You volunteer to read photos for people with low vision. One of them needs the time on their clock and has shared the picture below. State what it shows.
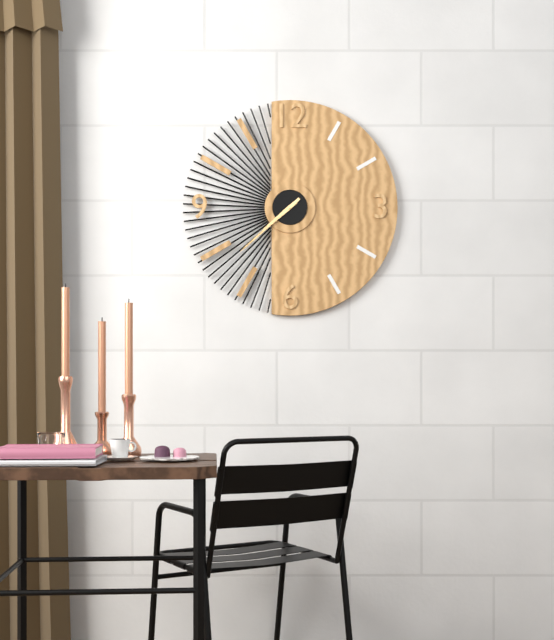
7:38
